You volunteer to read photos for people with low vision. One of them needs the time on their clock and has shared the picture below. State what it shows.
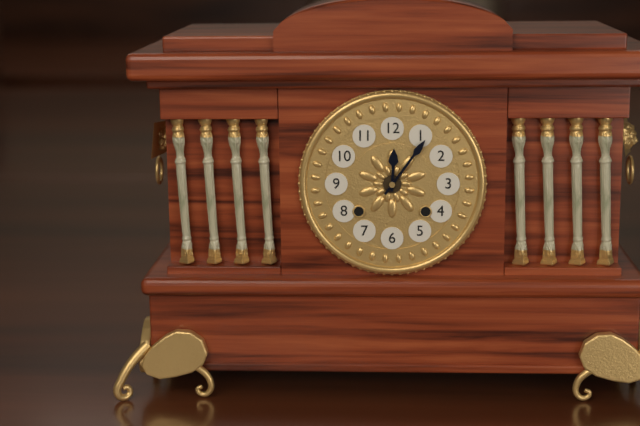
12:06
